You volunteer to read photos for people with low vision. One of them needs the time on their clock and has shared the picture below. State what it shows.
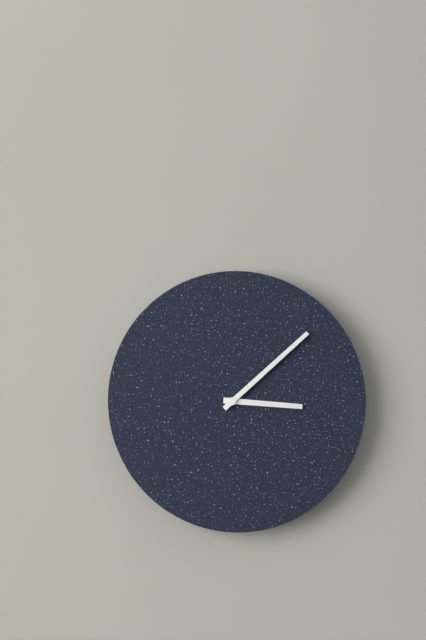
3:08
